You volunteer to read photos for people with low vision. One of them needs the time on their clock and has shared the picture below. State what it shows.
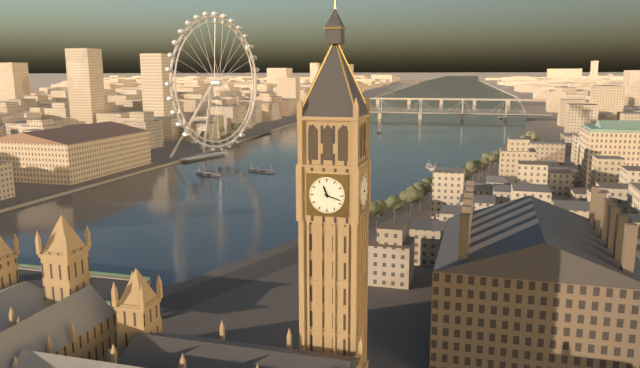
11:18
